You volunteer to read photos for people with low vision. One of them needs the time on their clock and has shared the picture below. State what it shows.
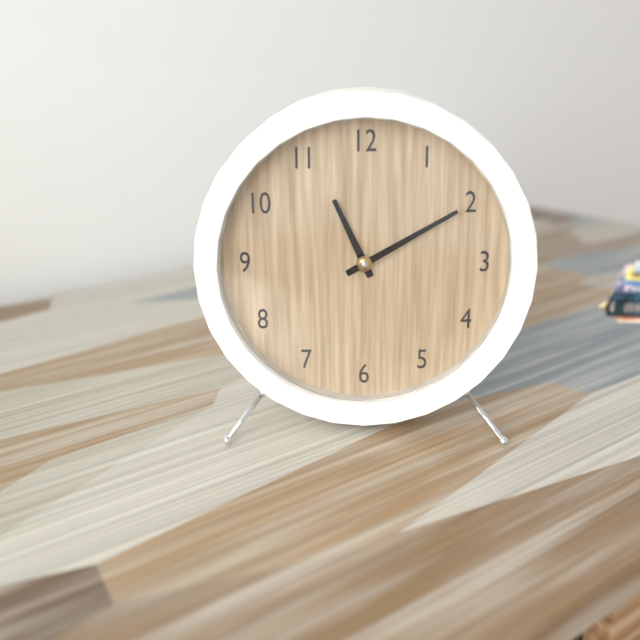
11:10
